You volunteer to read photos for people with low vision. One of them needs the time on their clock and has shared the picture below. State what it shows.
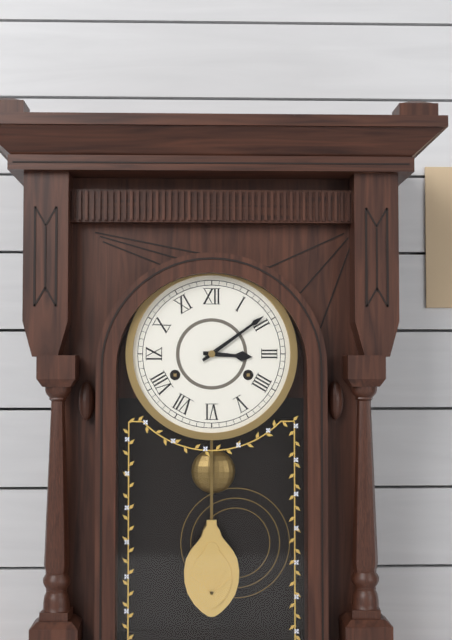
3:09
